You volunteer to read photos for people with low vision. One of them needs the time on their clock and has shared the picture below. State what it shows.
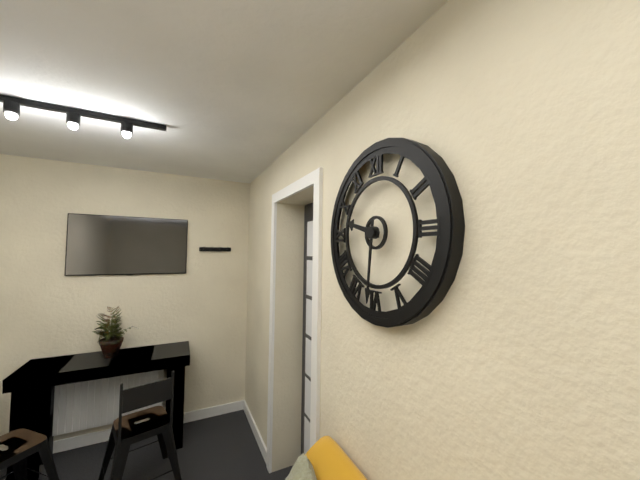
9:31
